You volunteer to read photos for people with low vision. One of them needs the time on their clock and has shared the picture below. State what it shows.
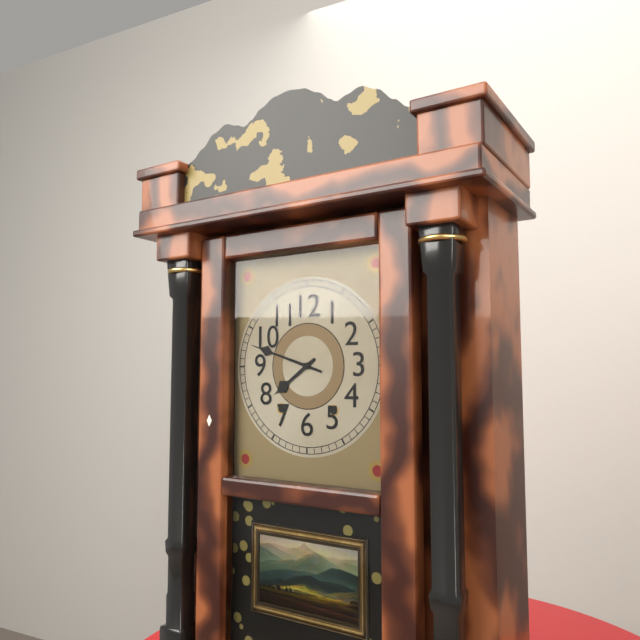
7:48
